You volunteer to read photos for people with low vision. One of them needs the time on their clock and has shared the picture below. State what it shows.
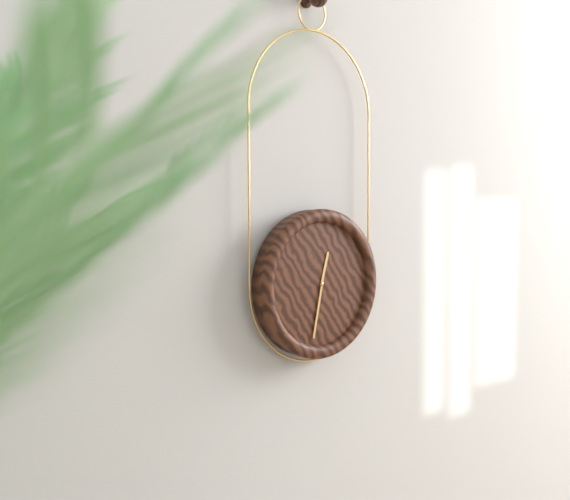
12:32
